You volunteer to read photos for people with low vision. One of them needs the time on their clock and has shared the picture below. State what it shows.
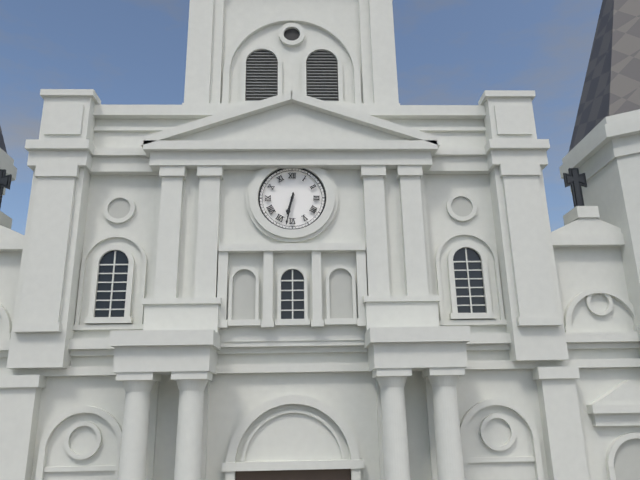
6:32
